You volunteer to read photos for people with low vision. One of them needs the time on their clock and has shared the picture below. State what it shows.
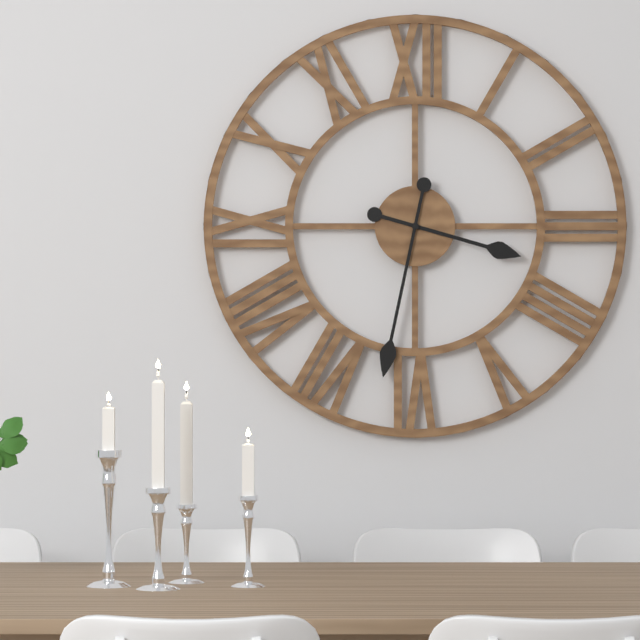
3:32
